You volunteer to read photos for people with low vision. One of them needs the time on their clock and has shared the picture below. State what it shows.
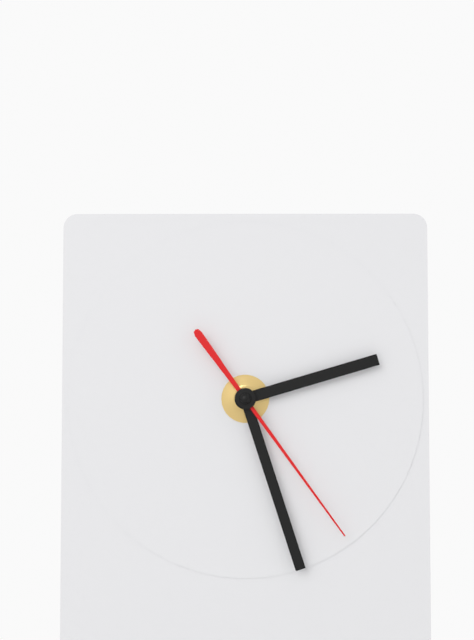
2:27:24
